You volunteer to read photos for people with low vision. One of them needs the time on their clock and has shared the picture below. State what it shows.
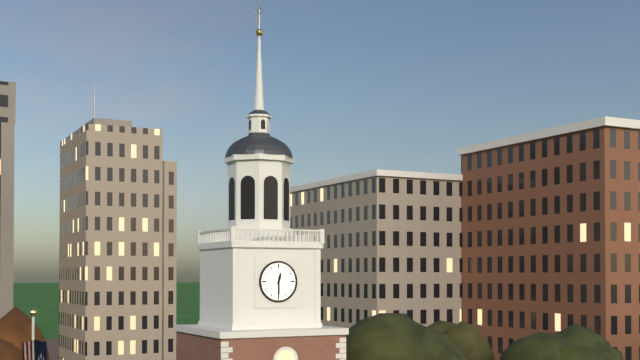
12:30
